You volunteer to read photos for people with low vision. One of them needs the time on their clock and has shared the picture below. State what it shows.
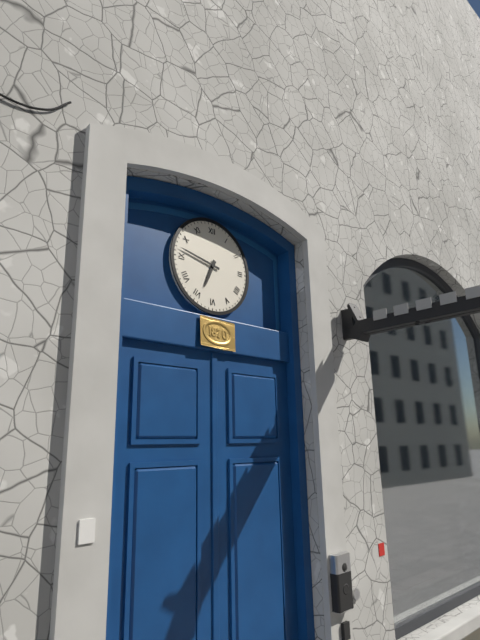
6:47
